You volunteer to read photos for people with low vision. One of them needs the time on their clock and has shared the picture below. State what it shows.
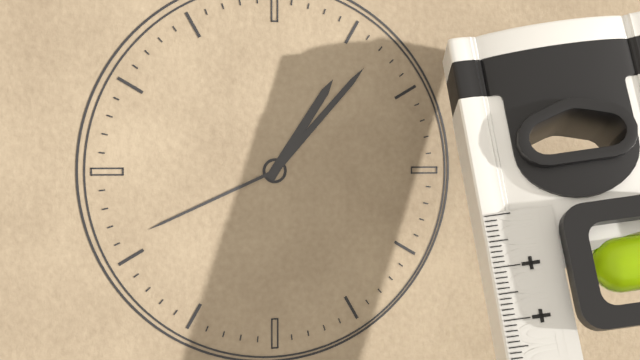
1:07:41
